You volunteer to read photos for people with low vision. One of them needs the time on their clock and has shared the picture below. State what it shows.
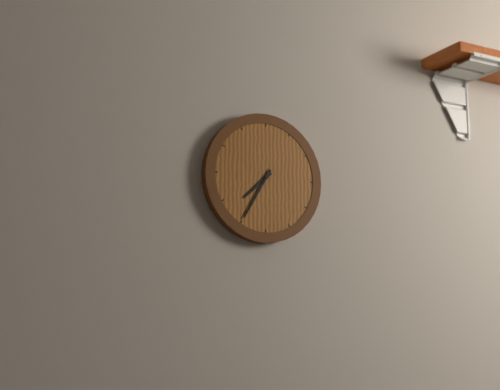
7:35
